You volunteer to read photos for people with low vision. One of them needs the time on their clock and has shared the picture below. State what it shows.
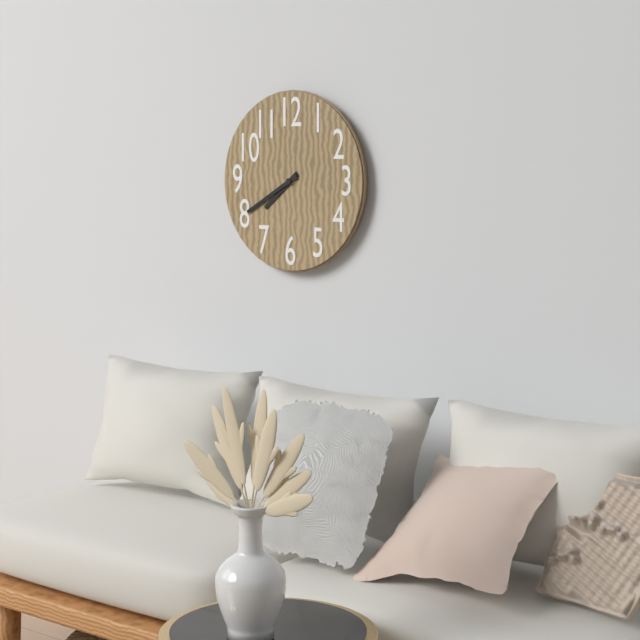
7:40
